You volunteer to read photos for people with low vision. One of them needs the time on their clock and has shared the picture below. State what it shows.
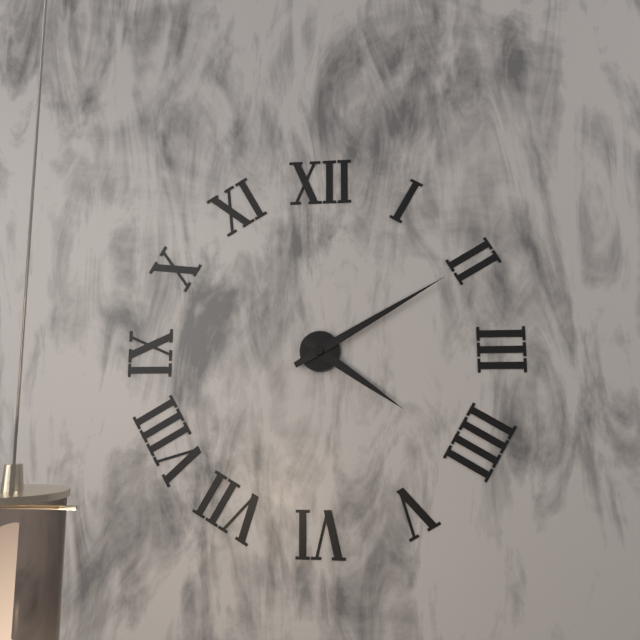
4:10
